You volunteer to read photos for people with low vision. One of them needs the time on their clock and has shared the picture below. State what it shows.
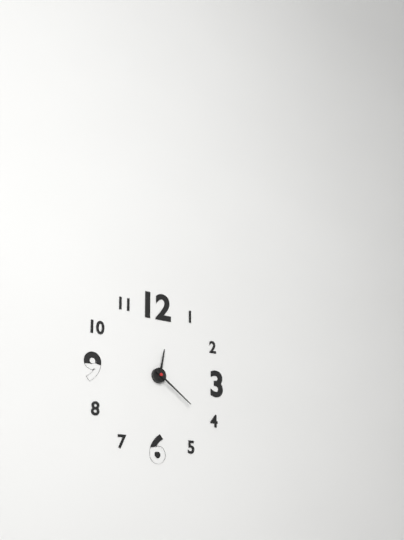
12:21
